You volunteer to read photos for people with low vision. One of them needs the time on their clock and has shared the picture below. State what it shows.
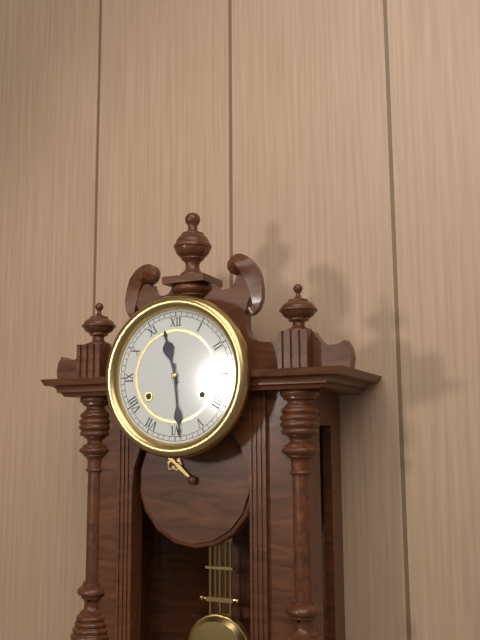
11:29
